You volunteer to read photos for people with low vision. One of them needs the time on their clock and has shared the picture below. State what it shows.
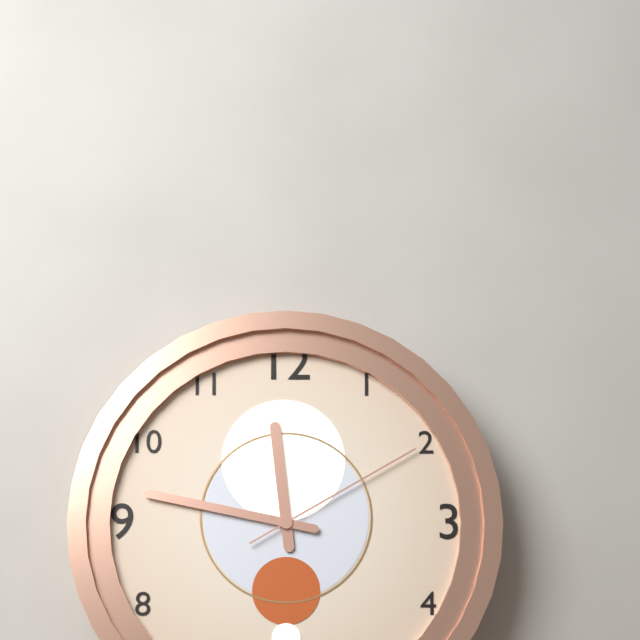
11:47:10
